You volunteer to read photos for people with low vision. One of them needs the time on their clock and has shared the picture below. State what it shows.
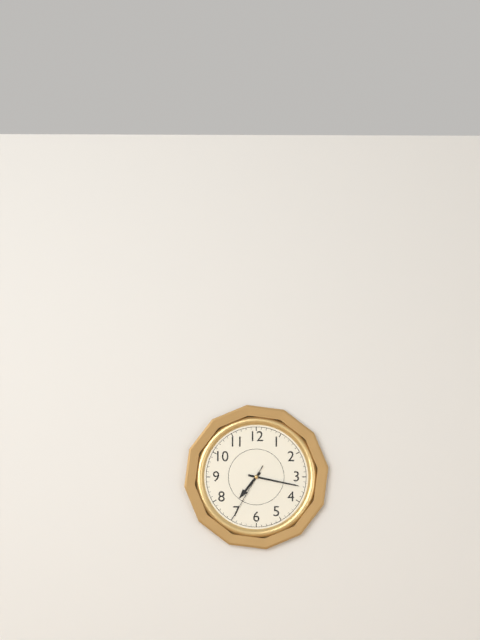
7:17:35
